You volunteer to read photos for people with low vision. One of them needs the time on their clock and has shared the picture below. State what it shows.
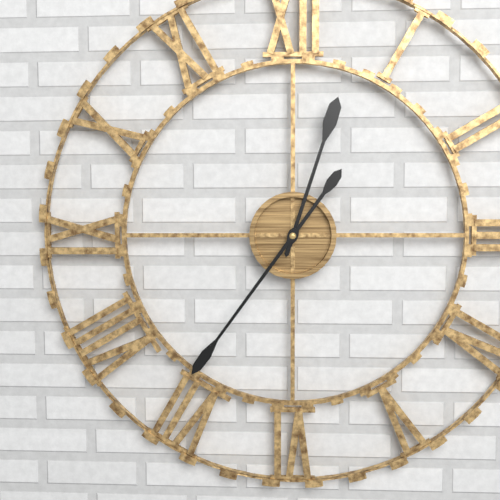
12:36
